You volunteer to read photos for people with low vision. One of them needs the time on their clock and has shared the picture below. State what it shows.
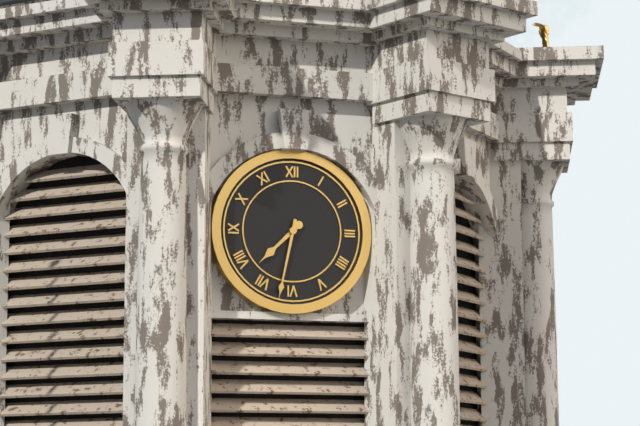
7:32
